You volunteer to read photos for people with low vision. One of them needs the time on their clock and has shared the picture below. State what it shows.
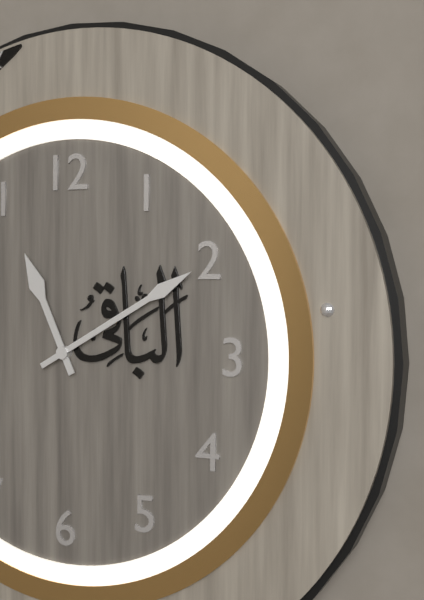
11:10
